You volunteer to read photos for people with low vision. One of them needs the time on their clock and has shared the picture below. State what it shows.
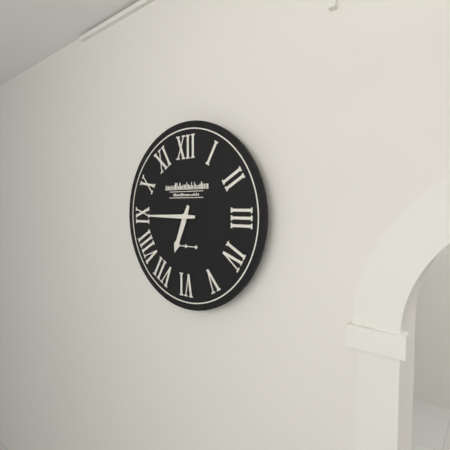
6:45
